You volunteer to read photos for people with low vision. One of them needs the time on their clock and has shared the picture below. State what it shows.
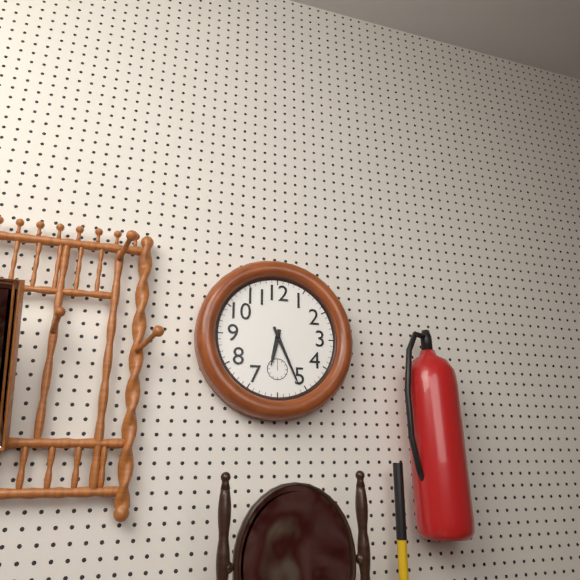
6:26
